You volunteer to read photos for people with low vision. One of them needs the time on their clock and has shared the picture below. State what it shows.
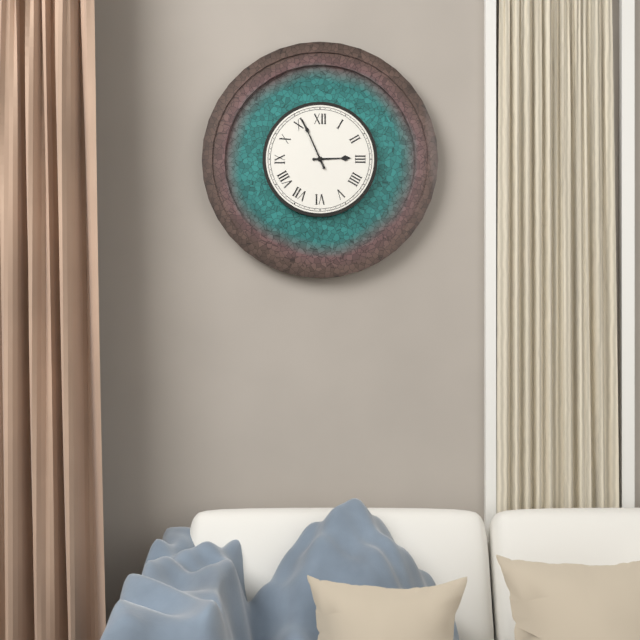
2:56
